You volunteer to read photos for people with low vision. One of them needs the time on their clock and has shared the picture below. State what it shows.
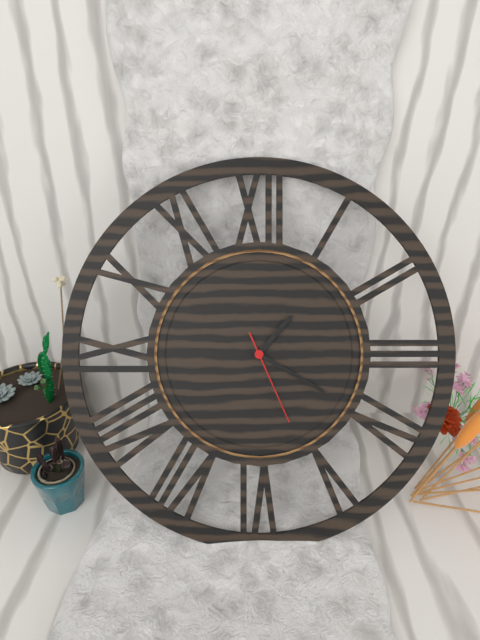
1:20:26
